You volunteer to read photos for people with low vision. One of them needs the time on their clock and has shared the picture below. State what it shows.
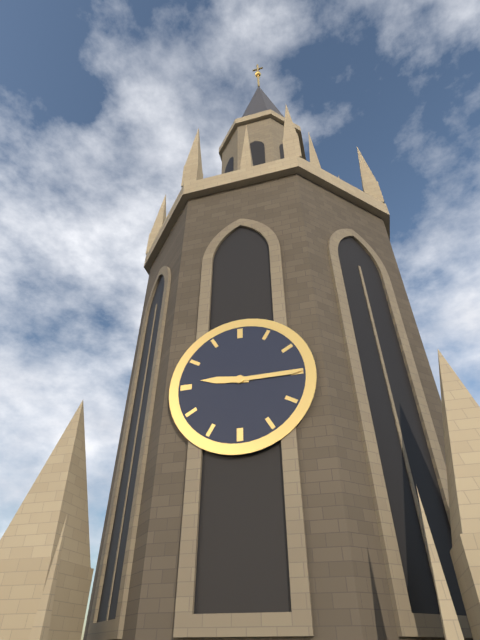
9:15
